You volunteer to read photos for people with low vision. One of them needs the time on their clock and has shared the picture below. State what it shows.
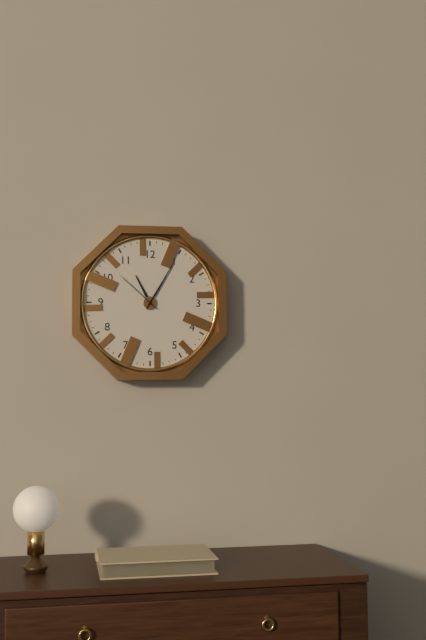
11:05:52
